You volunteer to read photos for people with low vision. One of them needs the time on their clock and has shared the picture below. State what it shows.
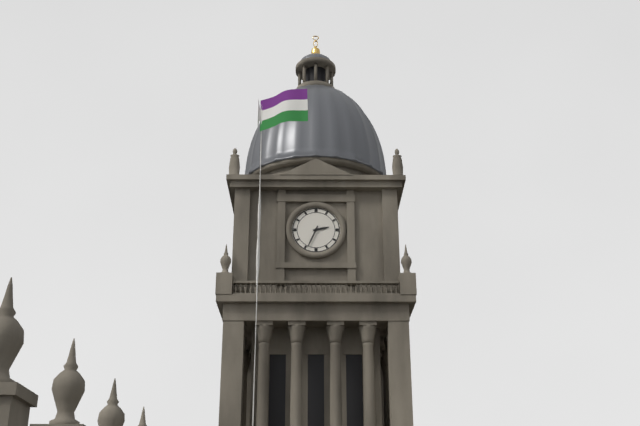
2:34
